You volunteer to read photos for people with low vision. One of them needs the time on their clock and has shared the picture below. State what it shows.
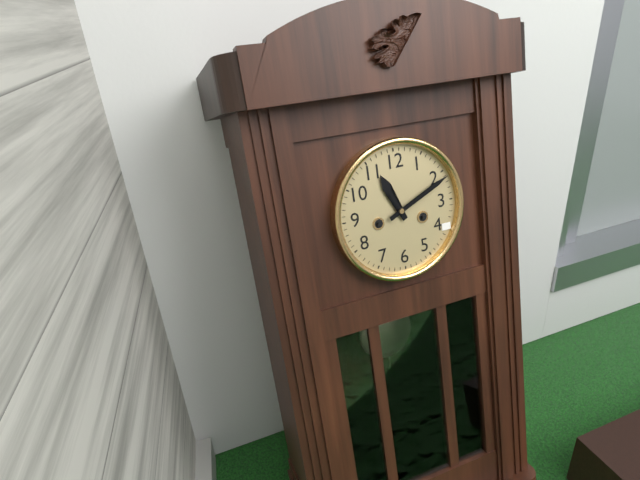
11:11
